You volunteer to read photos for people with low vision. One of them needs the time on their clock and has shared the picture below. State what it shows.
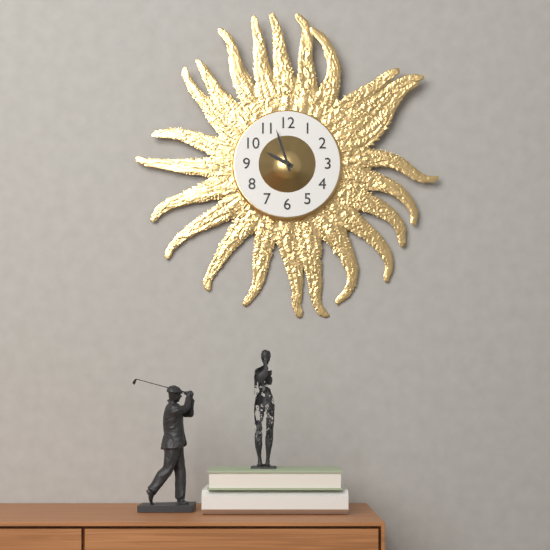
9:57
